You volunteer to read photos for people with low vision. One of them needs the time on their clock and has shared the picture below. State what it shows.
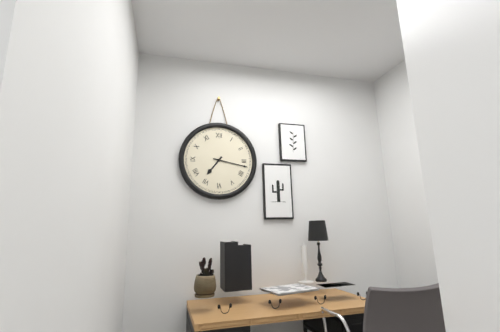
7:17
